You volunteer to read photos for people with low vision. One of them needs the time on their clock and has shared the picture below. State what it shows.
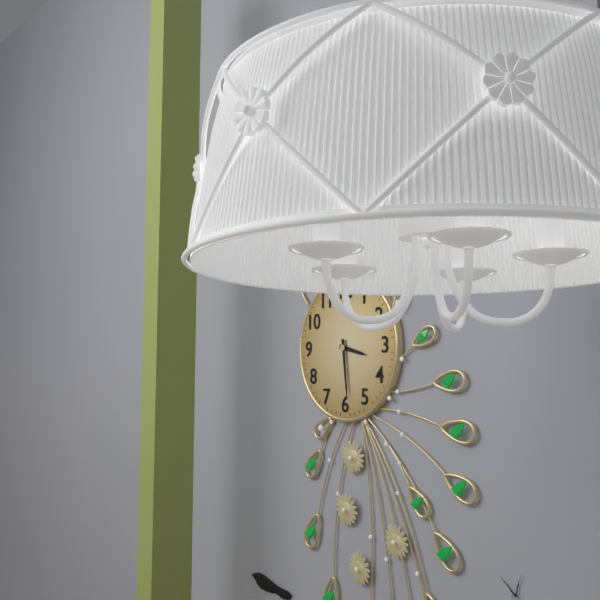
3:29
